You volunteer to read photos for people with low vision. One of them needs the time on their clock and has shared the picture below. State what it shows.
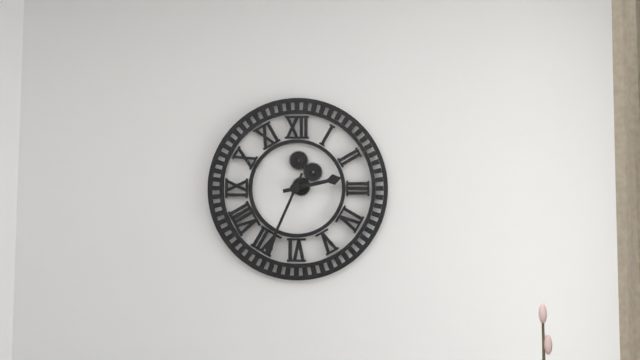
2:34
